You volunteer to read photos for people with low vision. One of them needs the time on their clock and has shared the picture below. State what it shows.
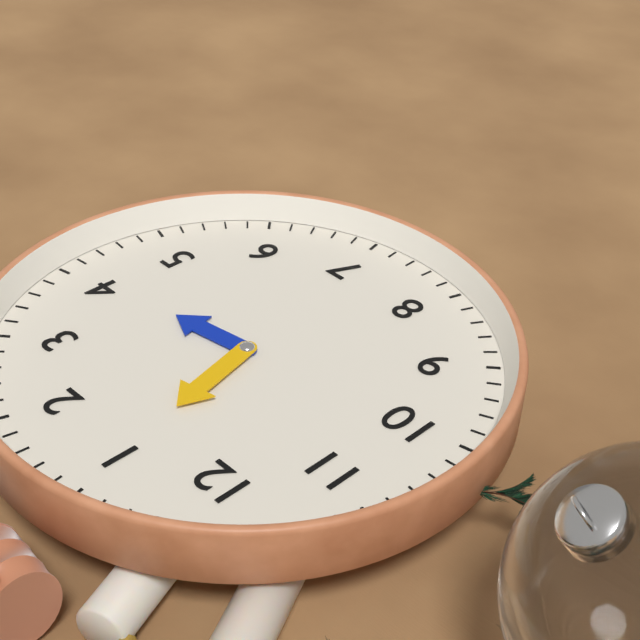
4:05
